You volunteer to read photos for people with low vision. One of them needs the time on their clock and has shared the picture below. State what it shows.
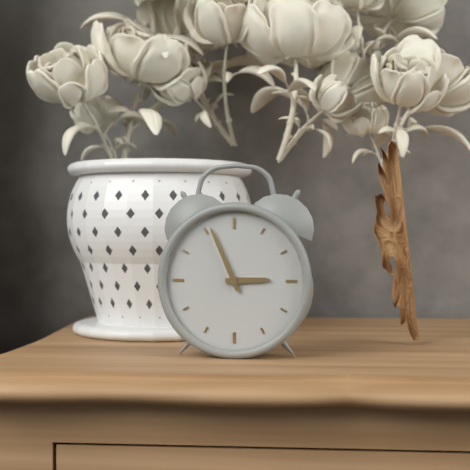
2:56
